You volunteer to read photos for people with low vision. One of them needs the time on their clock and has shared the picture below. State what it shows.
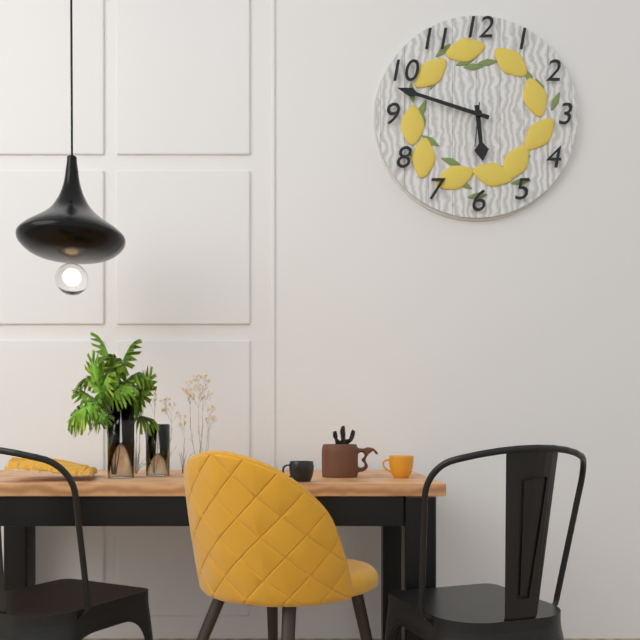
5:48
